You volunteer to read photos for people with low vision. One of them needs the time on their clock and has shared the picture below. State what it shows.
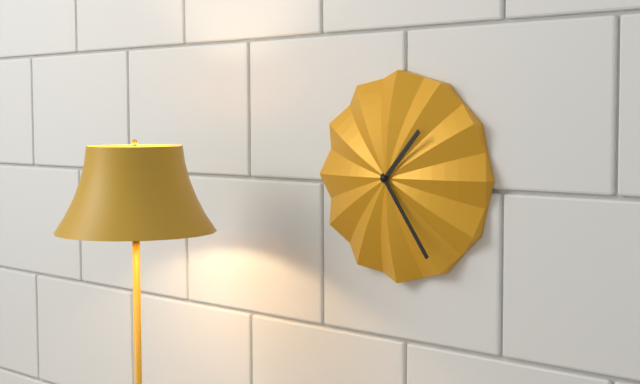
1:24
